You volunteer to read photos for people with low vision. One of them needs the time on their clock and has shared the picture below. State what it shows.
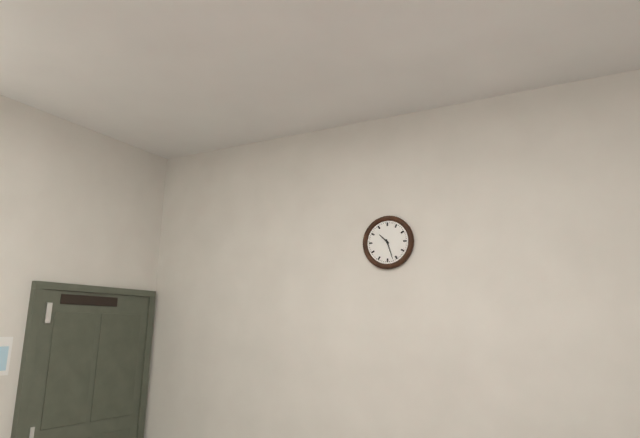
10:27
